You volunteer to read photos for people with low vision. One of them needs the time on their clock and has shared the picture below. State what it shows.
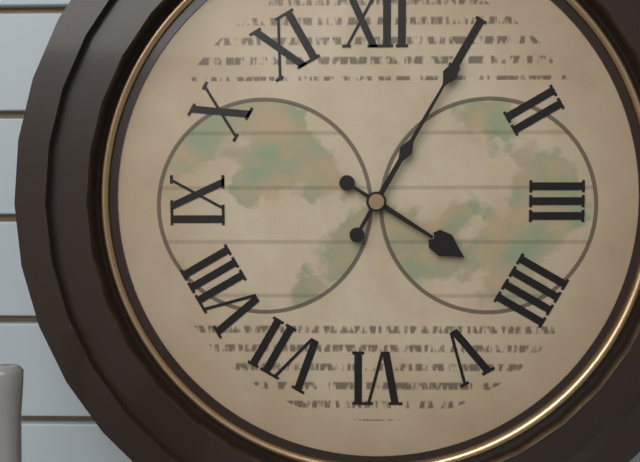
4:05
